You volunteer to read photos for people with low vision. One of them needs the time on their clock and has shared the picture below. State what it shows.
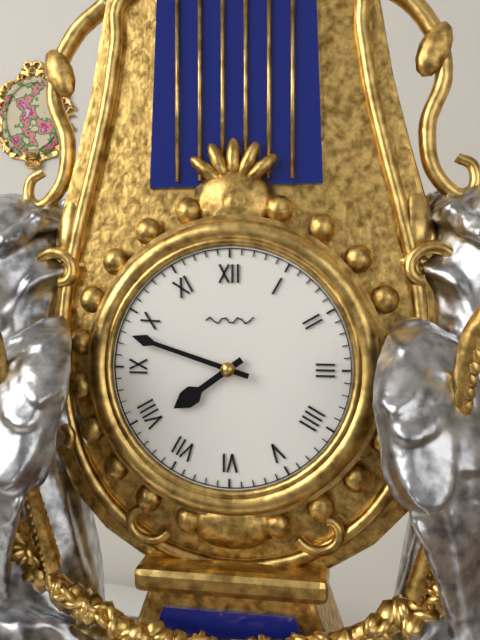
7:48
